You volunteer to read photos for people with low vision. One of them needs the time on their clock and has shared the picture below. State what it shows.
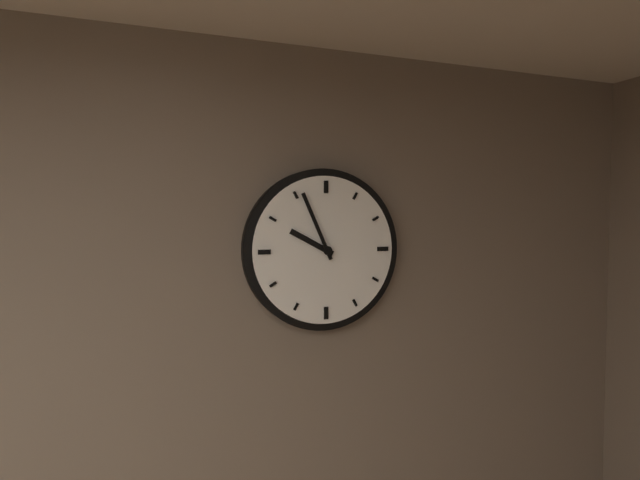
9:56
